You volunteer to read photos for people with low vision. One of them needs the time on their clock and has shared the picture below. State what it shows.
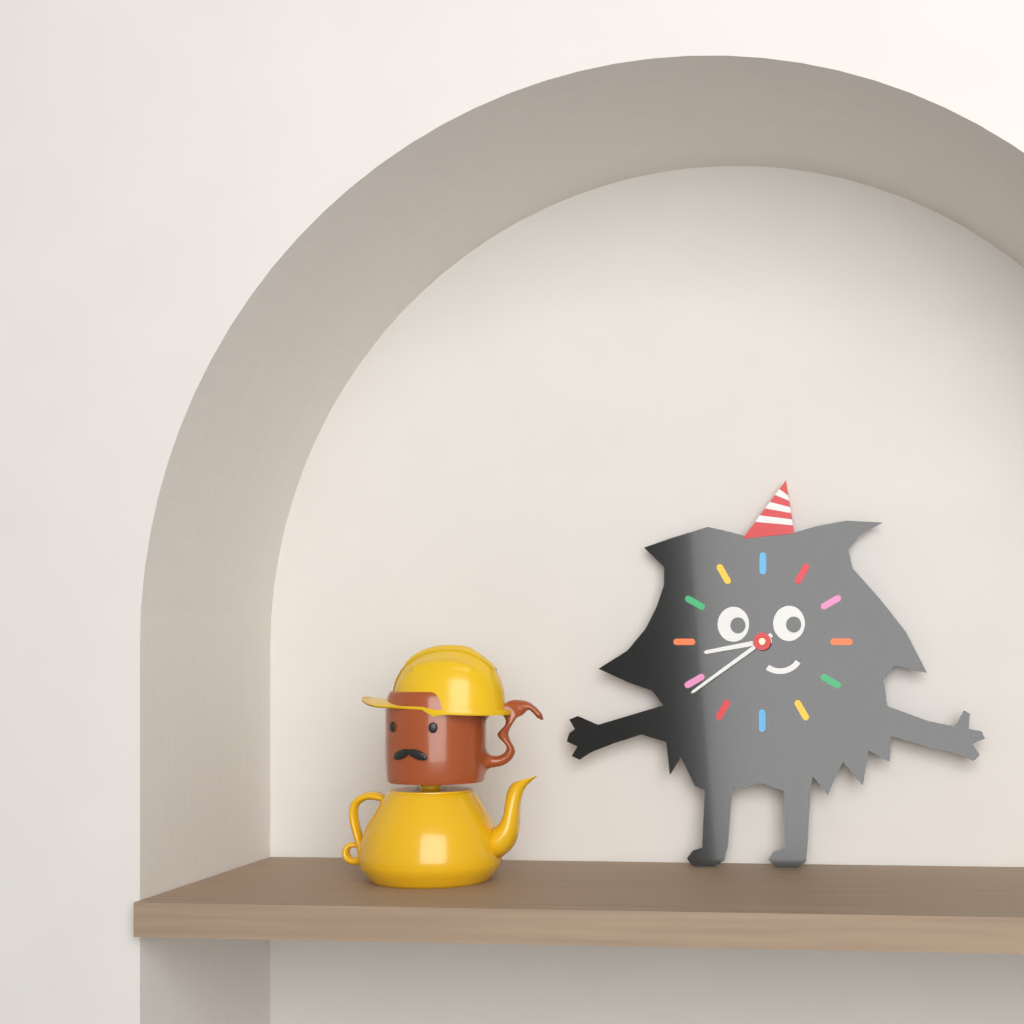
8:39
